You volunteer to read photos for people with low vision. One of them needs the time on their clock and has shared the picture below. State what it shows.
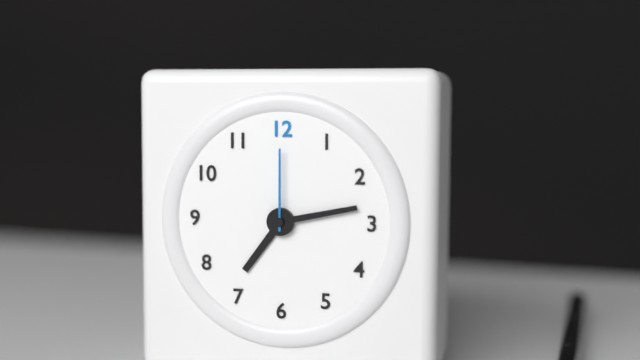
7:13:00
